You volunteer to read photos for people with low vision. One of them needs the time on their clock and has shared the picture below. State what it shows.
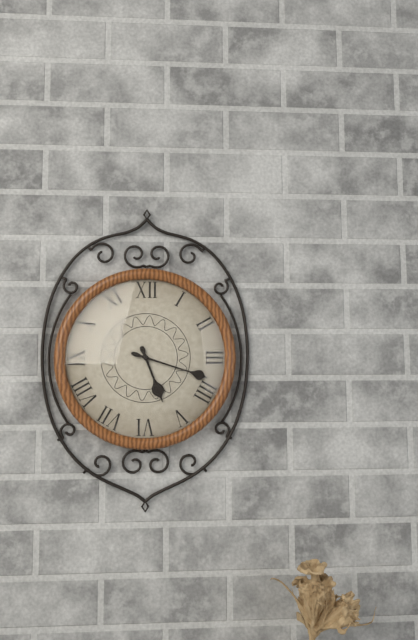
5:18
